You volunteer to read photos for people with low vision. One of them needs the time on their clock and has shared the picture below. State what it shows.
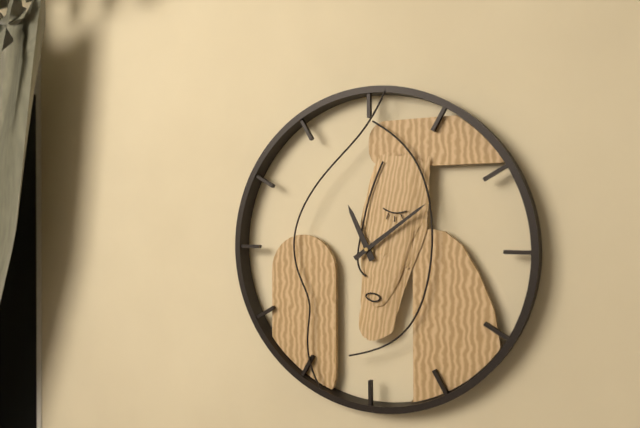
11:09
